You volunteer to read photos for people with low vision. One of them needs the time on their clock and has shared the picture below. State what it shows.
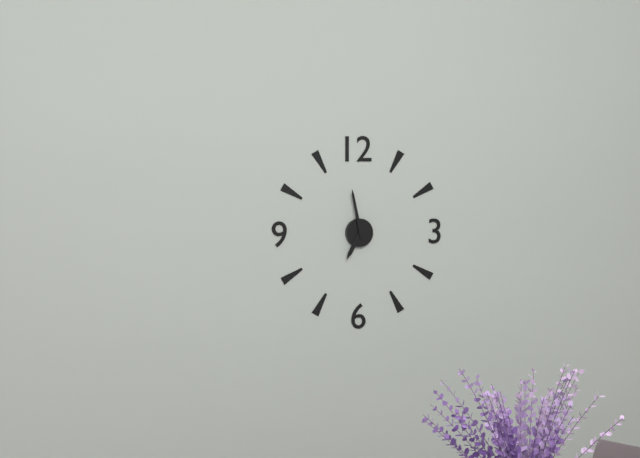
6:58
